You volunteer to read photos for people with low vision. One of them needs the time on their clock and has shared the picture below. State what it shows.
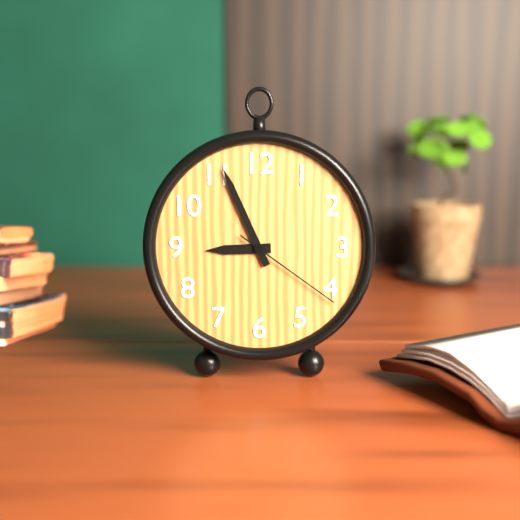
8:56:21
